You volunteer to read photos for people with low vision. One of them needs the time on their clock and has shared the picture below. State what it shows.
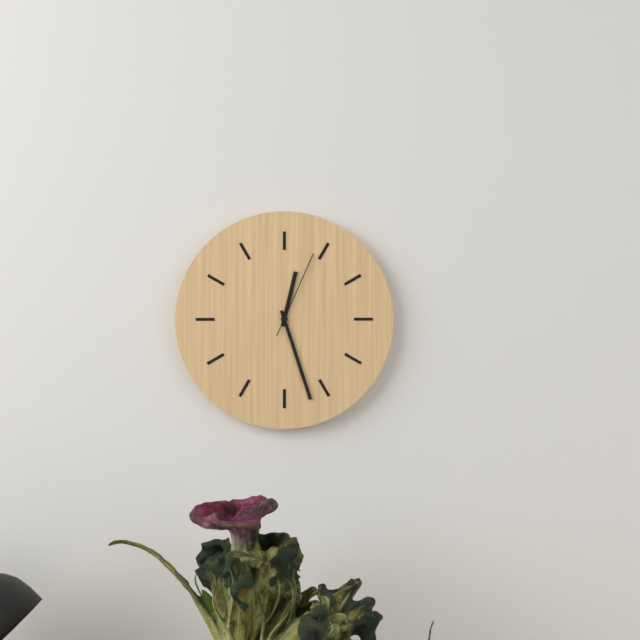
12:27:04
